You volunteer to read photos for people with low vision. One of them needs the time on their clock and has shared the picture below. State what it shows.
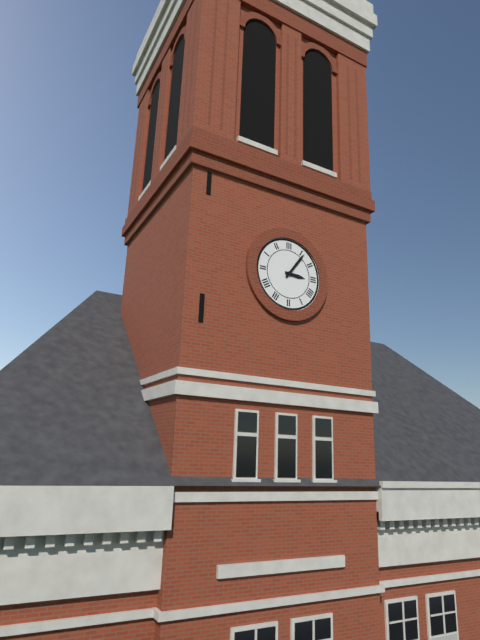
3:06
